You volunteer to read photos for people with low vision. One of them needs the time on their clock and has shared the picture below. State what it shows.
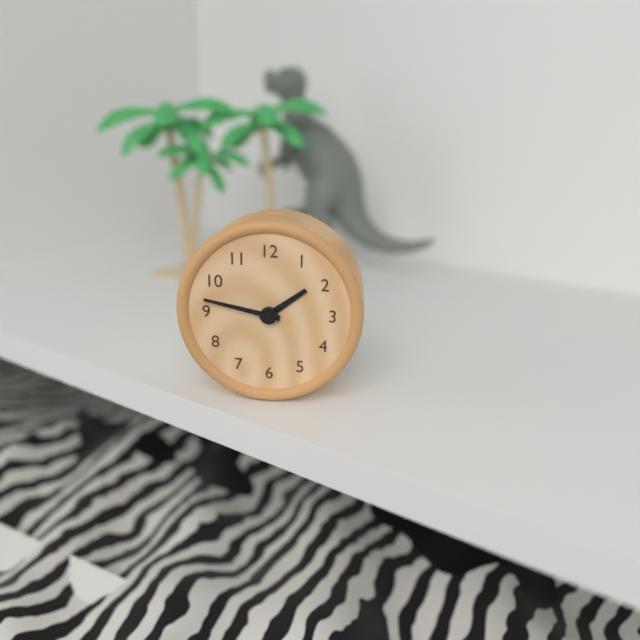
1:47
